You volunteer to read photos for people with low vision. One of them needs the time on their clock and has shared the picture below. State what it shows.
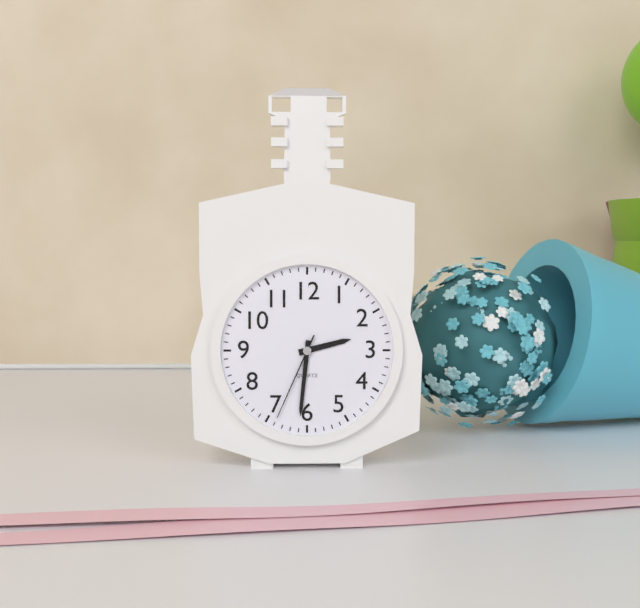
2:31:34
